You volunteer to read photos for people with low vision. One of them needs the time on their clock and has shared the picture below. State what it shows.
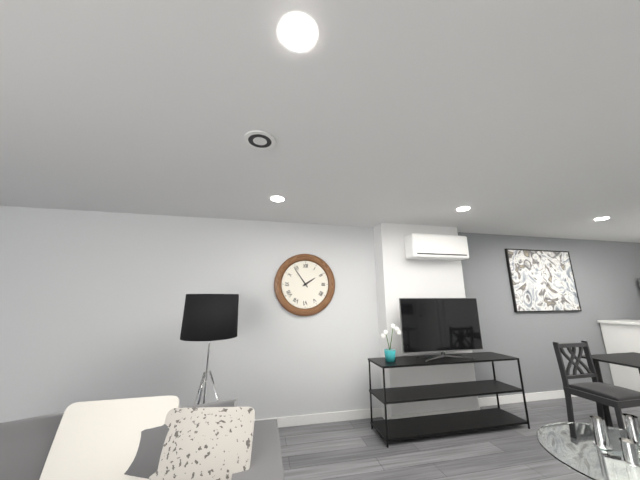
1:54
